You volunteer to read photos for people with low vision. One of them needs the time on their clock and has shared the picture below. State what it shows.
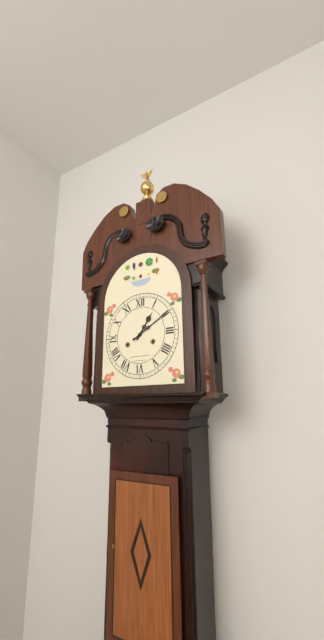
1:10
